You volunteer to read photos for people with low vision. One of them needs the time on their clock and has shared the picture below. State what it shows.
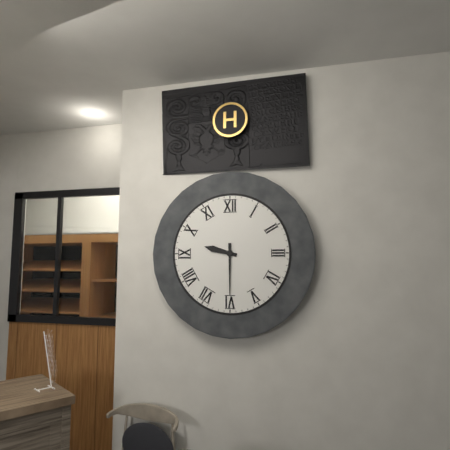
9:30
